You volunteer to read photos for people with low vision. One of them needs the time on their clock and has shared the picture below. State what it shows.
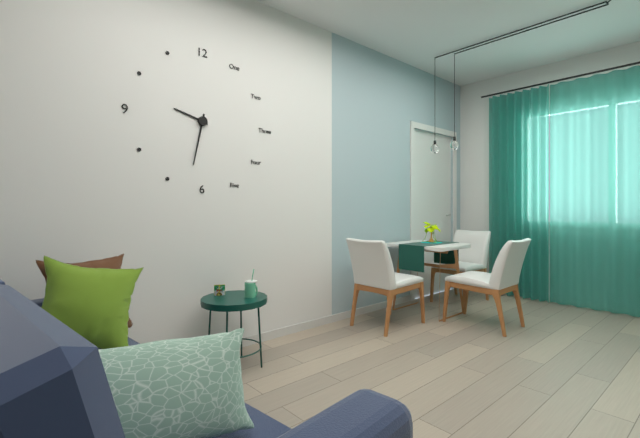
9:32
